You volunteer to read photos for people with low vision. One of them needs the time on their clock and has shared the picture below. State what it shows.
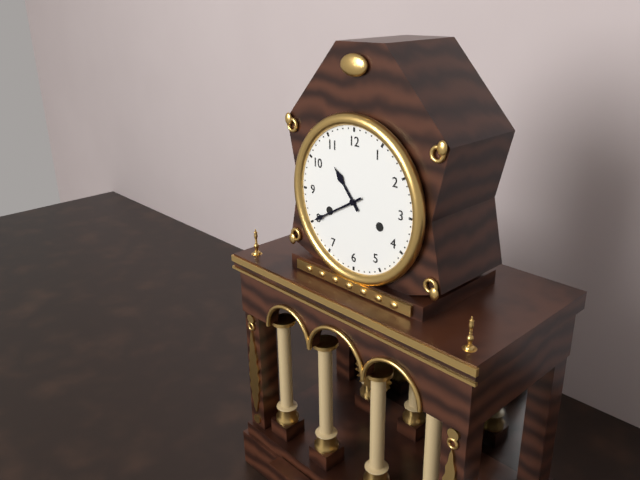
10:40
